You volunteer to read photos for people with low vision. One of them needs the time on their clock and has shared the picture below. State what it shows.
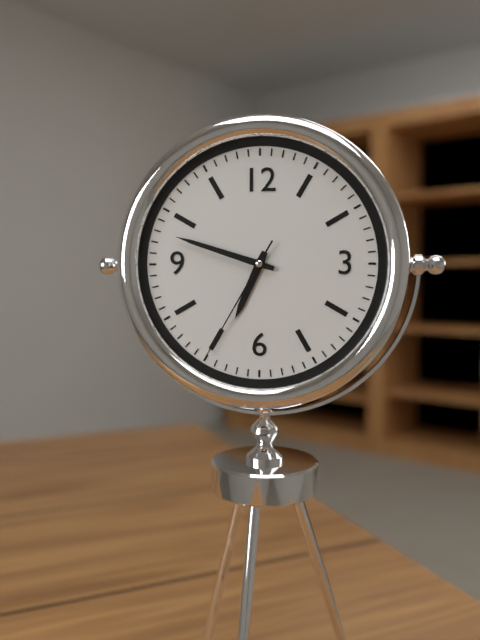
6:48:35
